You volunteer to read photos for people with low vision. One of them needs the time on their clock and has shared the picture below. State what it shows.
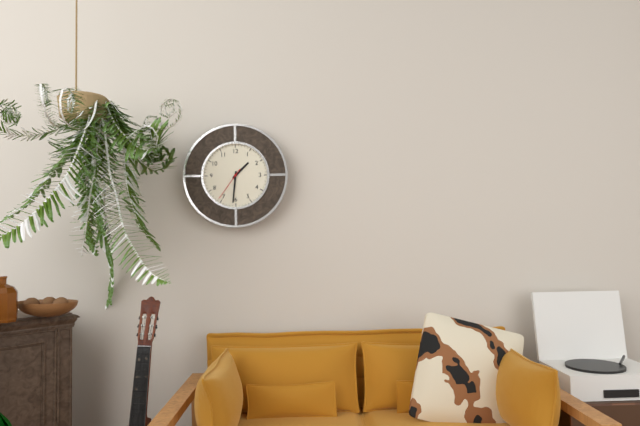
1:31
